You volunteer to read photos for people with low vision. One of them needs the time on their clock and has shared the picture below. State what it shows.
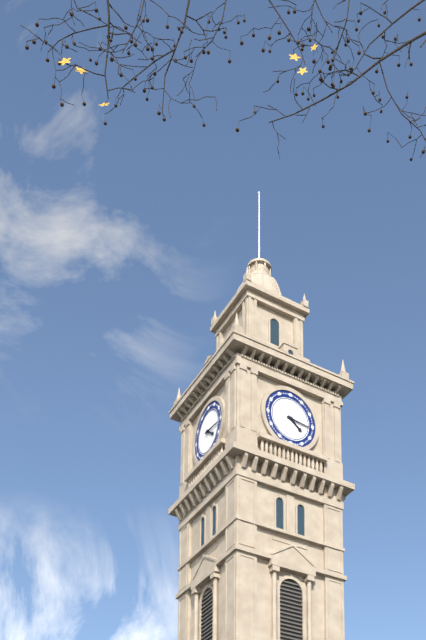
4:16
